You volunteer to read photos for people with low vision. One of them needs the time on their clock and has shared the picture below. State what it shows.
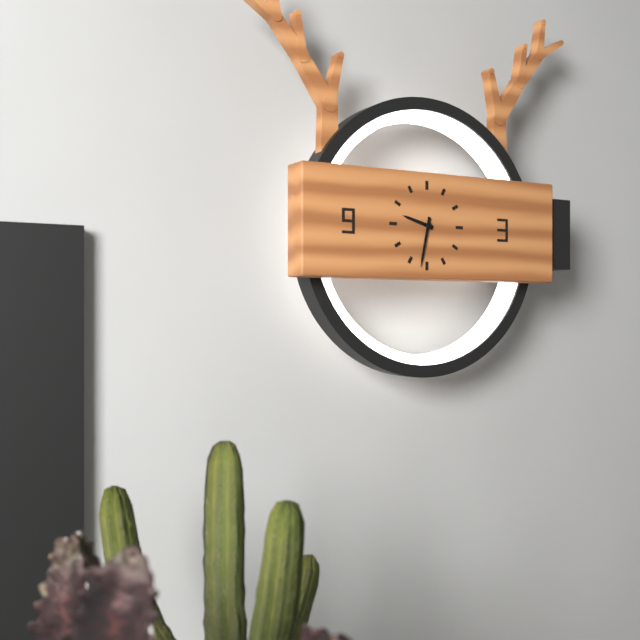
9:32
